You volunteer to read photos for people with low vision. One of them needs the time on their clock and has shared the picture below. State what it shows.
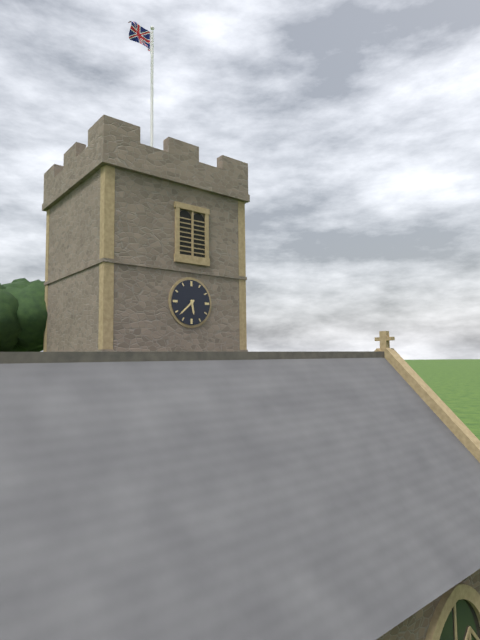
5:38
